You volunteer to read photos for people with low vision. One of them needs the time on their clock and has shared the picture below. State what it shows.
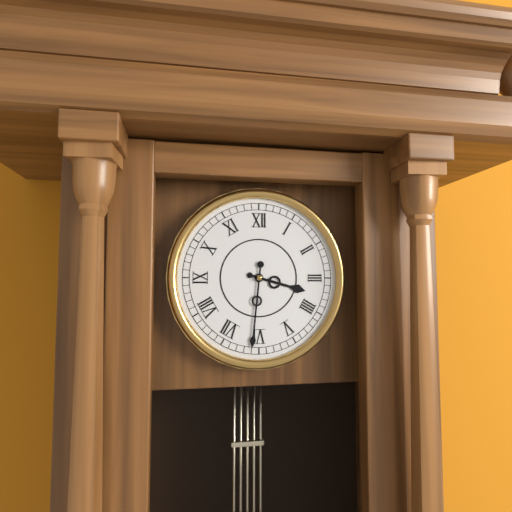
3:31
